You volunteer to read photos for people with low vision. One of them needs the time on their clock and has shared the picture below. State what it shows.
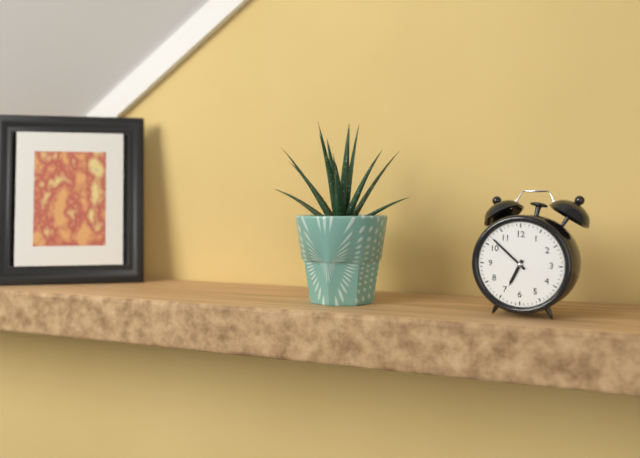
6:52
